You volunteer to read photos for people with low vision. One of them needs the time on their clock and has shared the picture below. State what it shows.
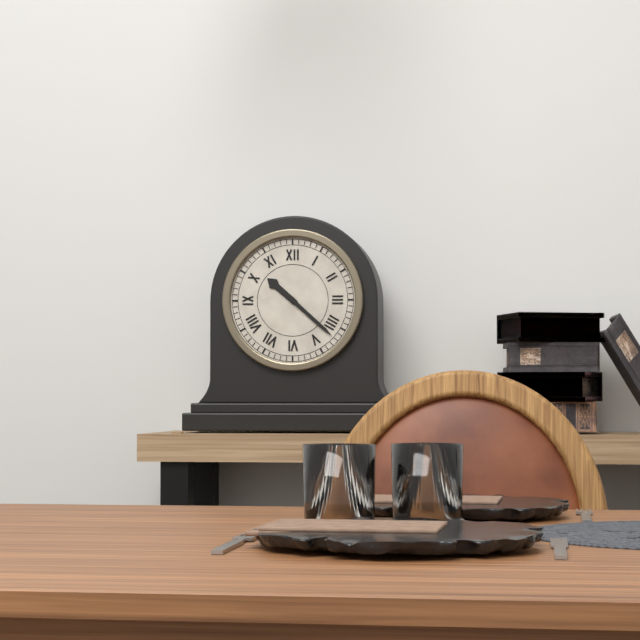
10:22
